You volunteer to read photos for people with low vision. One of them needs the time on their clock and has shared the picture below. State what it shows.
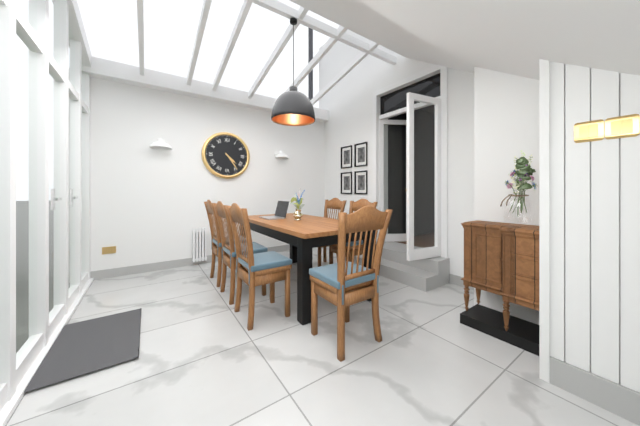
4:24
